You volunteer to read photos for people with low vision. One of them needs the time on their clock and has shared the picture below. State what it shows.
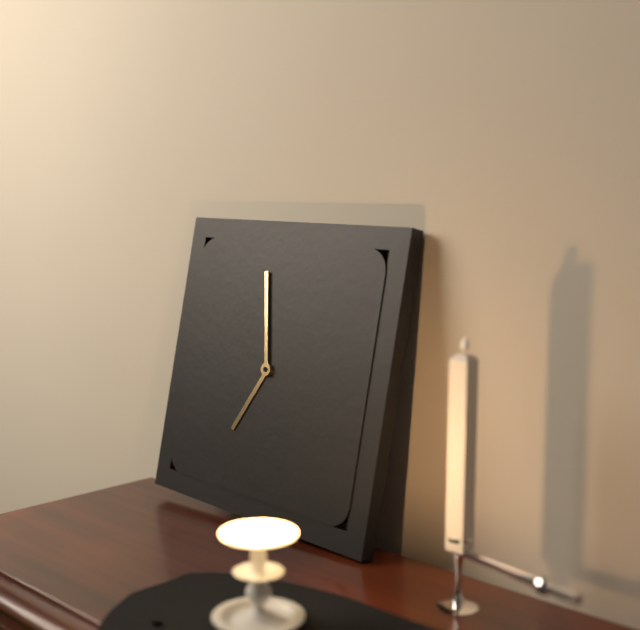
6:58
